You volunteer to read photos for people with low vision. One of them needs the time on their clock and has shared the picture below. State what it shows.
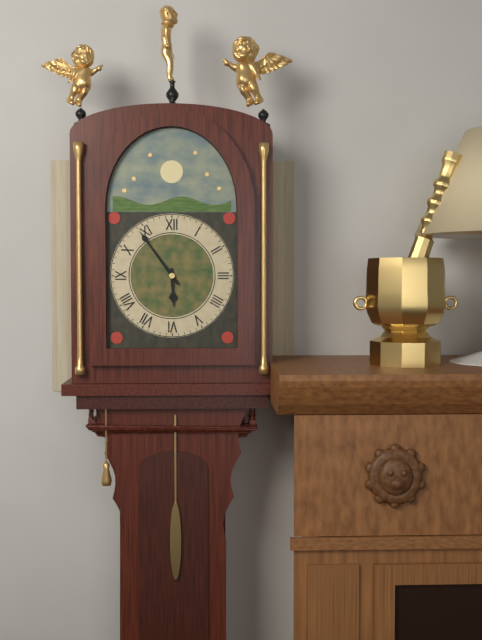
5:54
